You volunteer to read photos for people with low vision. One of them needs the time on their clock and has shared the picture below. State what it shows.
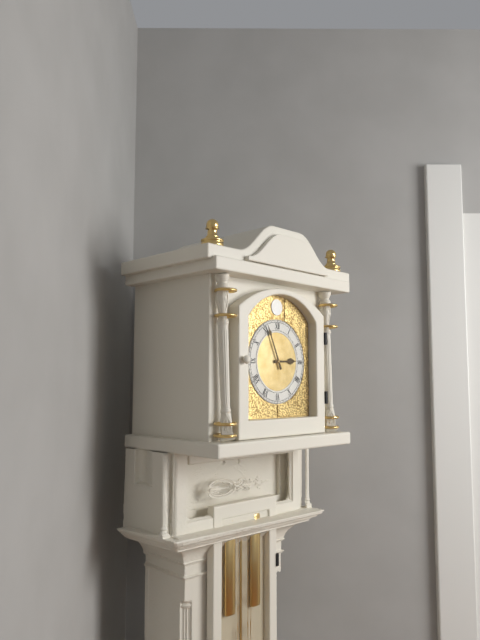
2:56
